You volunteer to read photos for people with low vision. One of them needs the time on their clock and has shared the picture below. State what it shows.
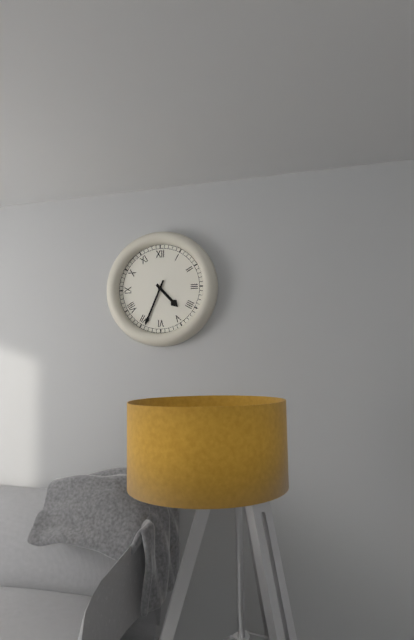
4:34
